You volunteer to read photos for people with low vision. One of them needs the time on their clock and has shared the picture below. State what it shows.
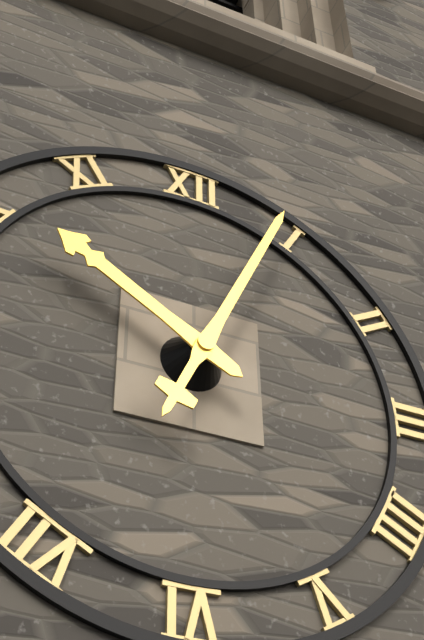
10:04
